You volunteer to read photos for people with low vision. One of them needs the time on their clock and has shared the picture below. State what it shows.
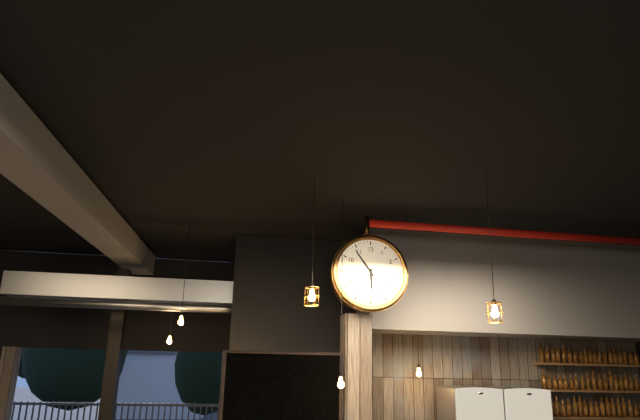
5:54
